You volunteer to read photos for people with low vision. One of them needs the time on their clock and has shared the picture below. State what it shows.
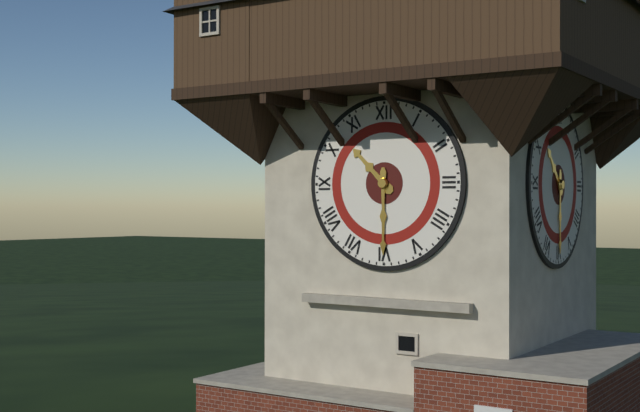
10:30
